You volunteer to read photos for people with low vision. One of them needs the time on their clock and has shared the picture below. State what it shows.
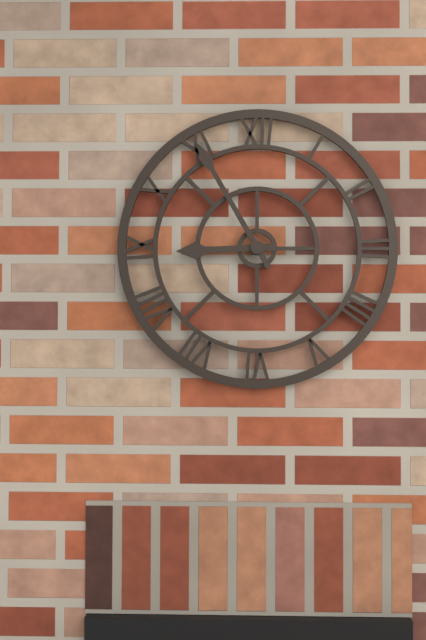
8:55
